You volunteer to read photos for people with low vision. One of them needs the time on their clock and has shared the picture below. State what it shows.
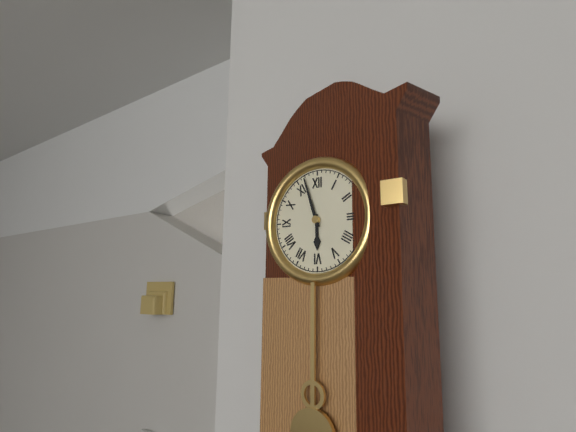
5:57
